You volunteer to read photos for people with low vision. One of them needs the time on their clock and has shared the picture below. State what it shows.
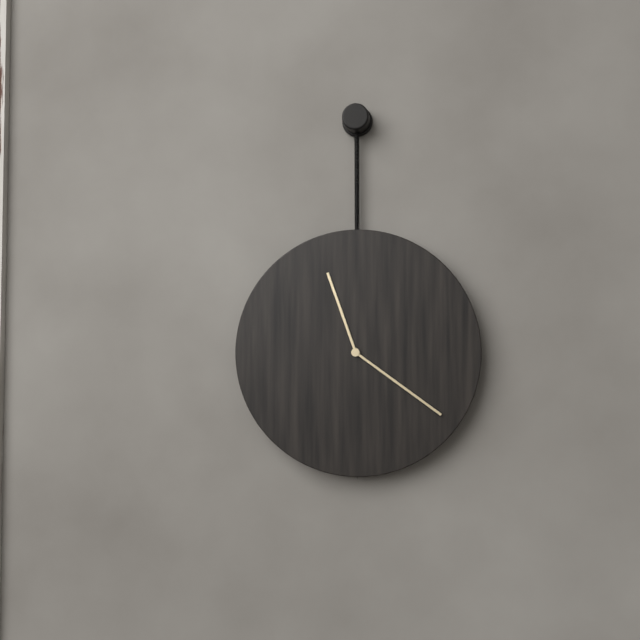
11:21
